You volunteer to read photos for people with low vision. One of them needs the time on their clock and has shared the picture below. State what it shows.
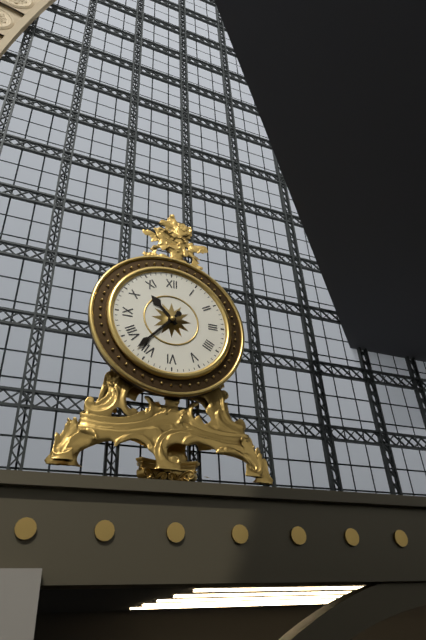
10:37
